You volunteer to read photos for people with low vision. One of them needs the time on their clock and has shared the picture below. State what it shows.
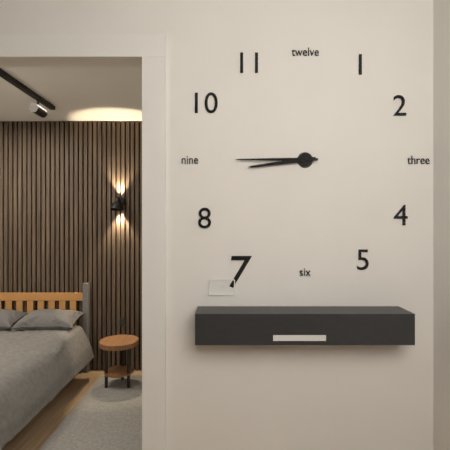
8:45
